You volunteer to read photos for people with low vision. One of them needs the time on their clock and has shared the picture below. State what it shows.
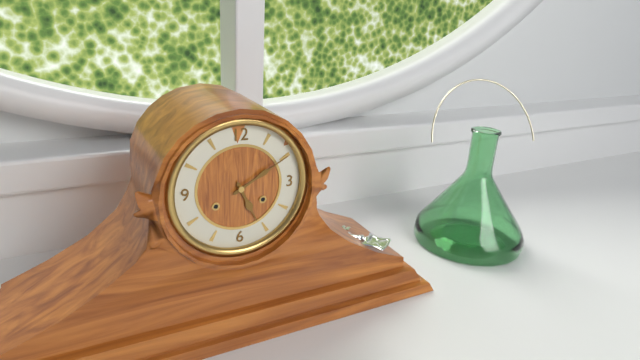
5:10
